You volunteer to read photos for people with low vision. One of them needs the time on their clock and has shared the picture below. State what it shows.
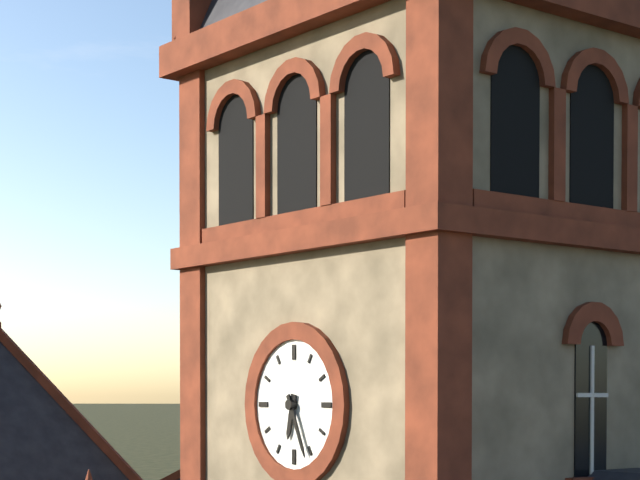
6:26
